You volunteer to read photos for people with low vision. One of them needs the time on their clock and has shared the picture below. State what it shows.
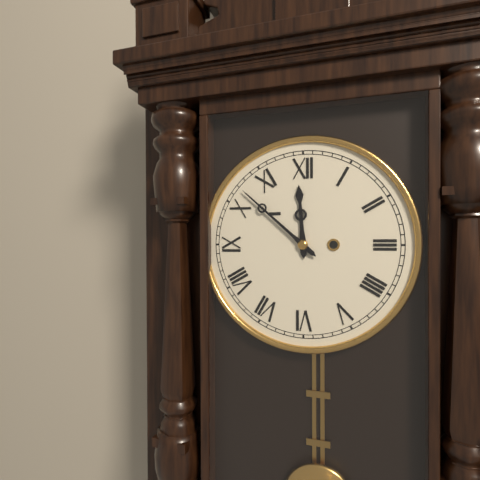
11:52
